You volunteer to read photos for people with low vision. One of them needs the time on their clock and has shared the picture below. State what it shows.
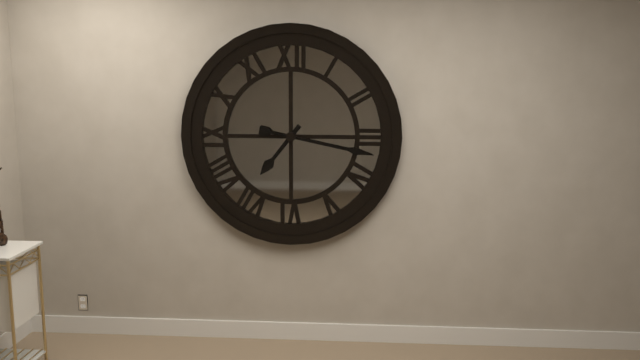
7:17
